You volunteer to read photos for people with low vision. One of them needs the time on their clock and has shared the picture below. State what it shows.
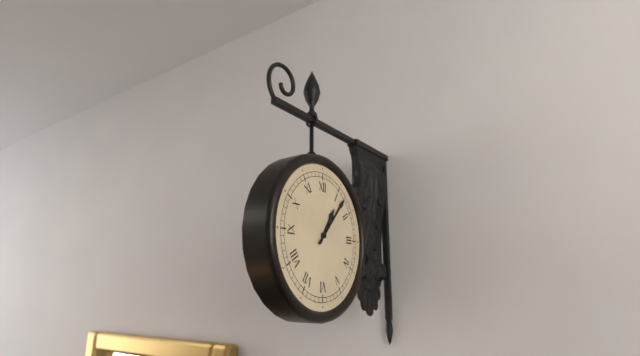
1:07
